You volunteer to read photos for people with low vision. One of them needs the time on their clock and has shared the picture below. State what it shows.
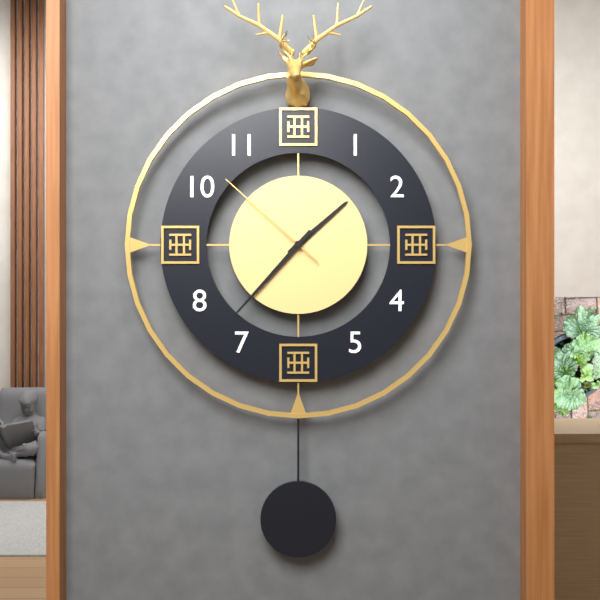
1:37:52
